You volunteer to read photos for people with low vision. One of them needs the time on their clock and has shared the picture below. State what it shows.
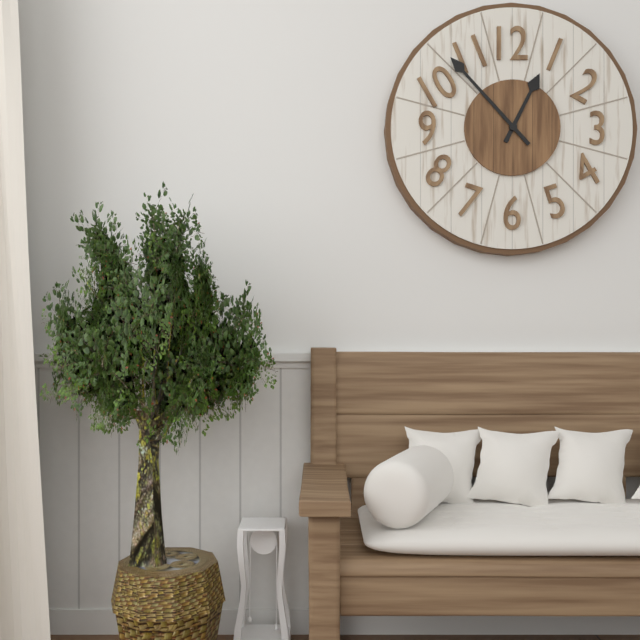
12:53
